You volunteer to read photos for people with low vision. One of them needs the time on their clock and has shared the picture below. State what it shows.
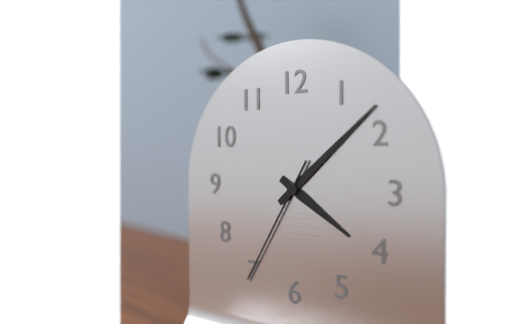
4:08:35
